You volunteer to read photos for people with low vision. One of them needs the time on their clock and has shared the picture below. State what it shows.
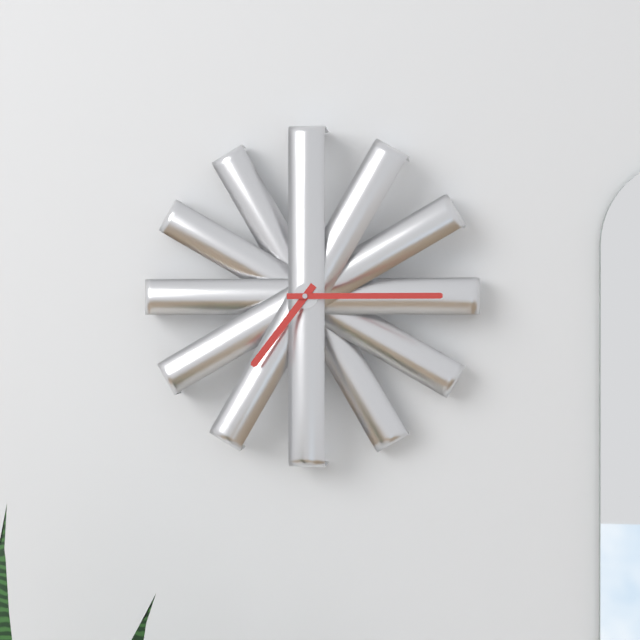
7:15
